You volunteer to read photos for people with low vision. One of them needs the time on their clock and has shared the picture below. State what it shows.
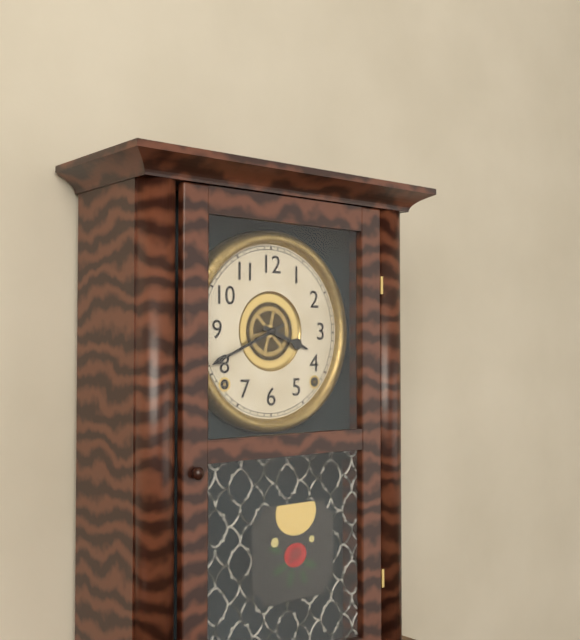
3:41
